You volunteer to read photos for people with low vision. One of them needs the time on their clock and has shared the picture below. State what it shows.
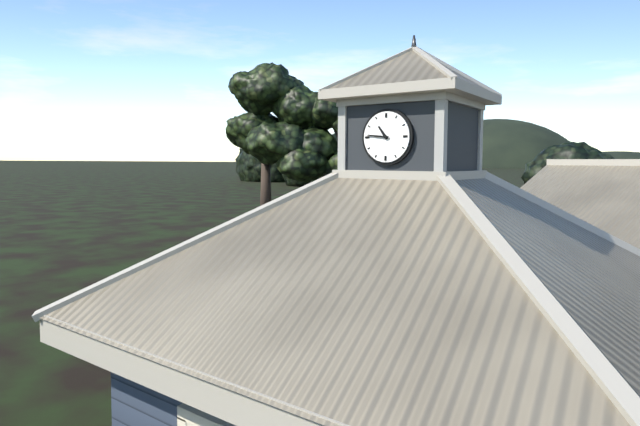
10:46
